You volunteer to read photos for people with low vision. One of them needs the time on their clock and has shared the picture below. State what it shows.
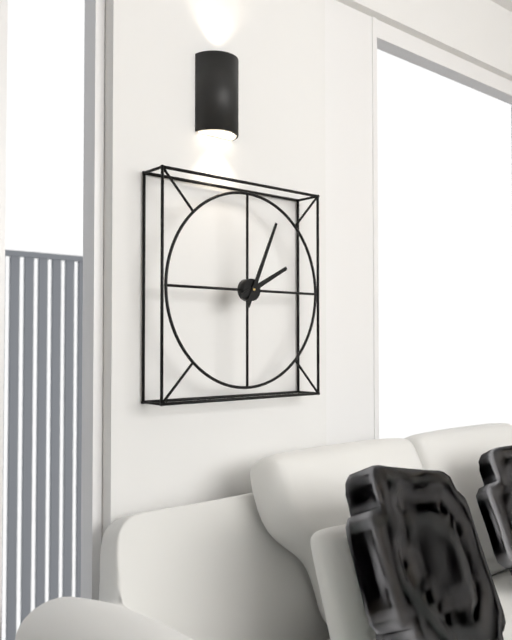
2:04
